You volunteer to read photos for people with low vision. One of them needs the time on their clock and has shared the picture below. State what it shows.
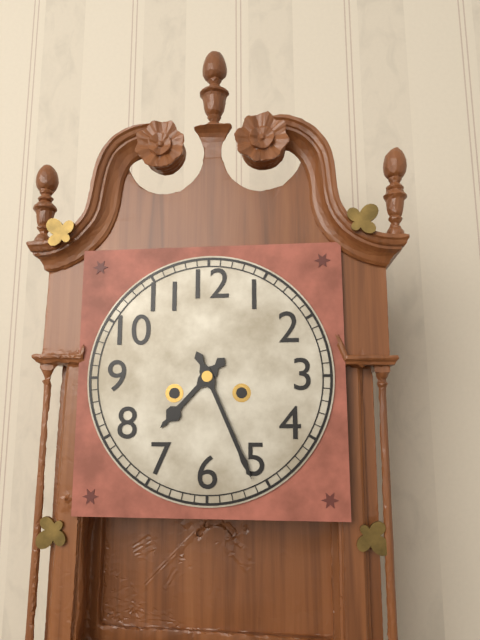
7:26
